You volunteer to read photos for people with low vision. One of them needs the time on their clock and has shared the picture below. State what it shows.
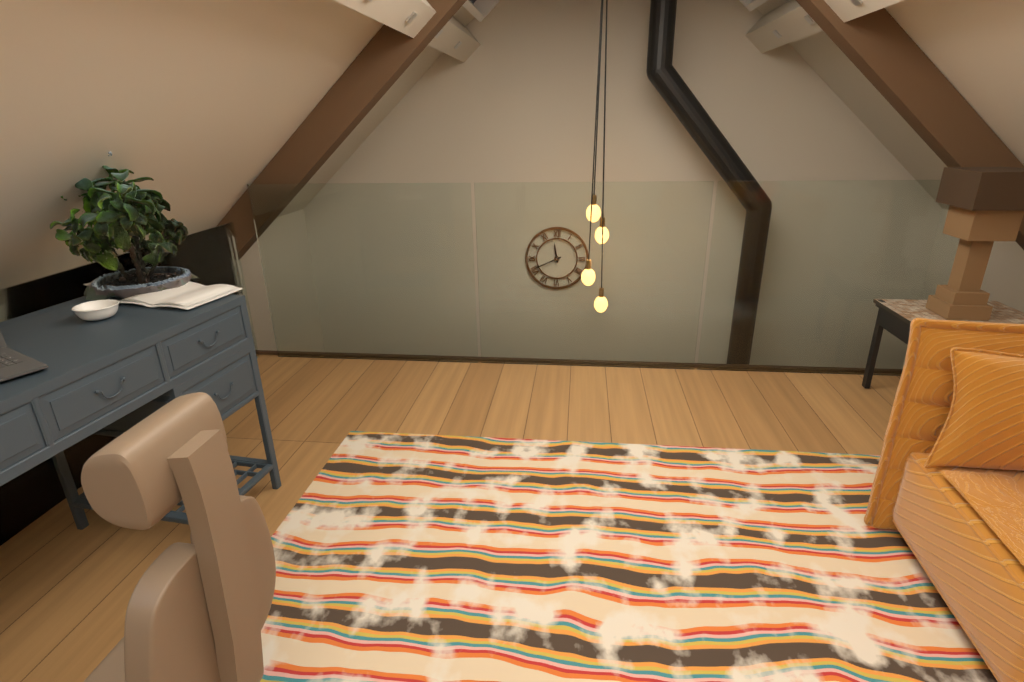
11:41
